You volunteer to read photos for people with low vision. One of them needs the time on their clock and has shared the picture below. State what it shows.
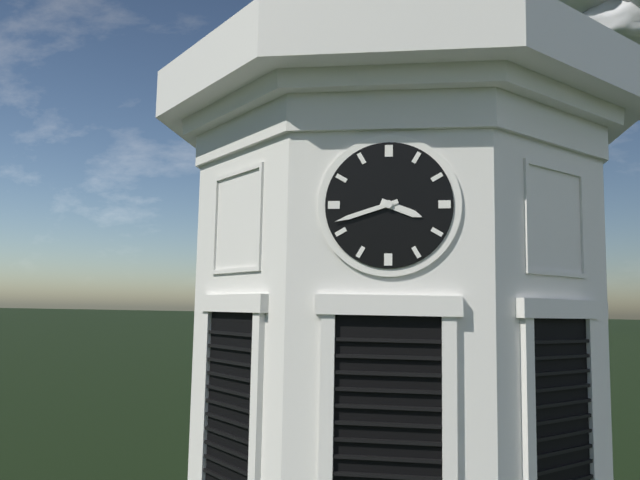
3:42
